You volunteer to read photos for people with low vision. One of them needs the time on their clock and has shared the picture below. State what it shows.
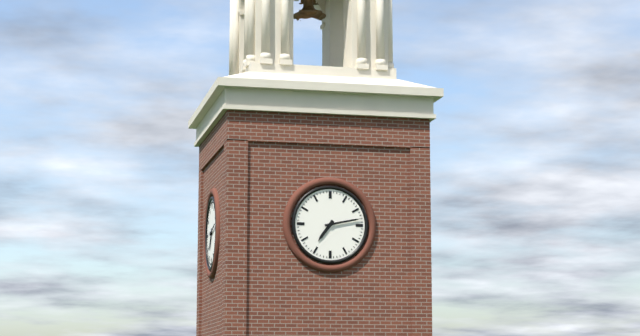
7:13
